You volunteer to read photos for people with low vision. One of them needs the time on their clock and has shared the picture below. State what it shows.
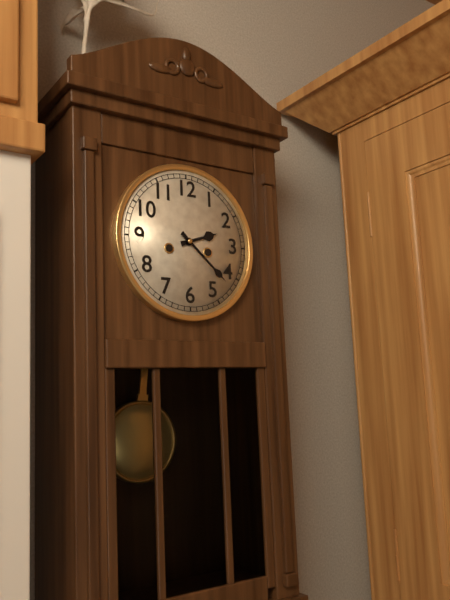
2:22
